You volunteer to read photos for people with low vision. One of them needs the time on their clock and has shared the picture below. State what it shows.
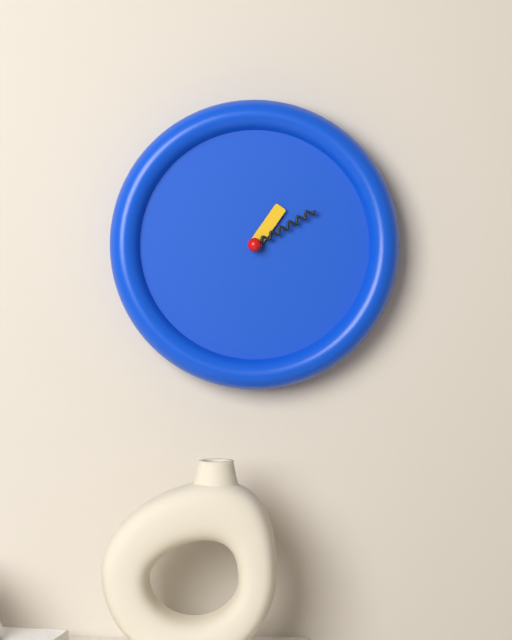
1:10
